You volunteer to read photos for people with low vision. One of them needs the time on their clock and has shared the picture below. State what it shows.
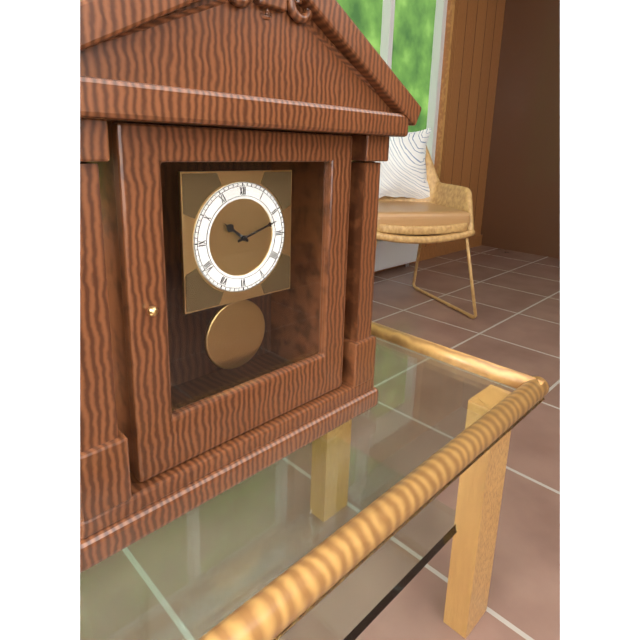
10:12
